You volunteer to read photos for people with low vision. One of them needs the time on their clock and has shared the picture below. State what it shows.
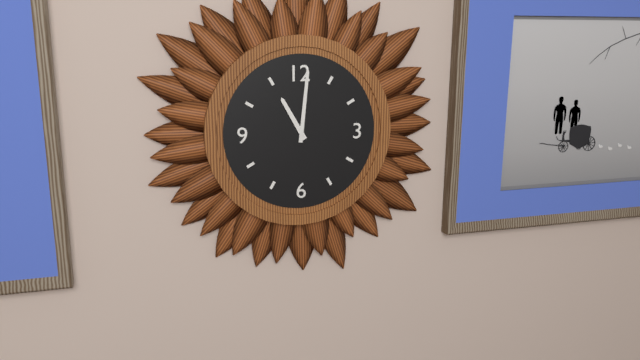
11:01
